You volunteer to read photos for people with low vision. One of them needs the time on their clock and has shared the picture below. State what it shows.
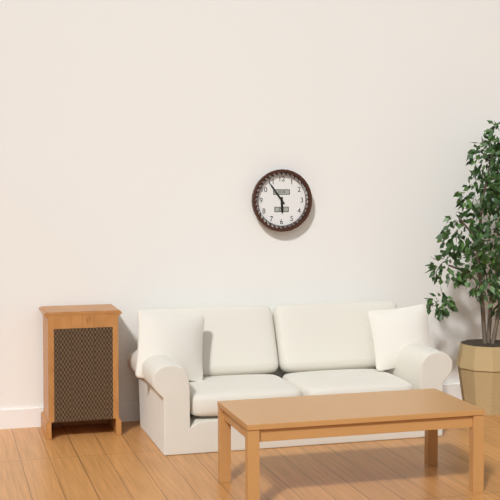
5:54
